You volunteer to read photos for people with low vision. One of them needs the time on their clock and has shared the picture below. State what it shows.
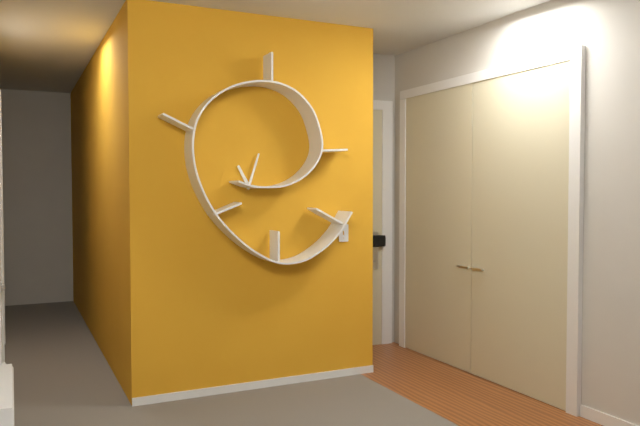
11:03
